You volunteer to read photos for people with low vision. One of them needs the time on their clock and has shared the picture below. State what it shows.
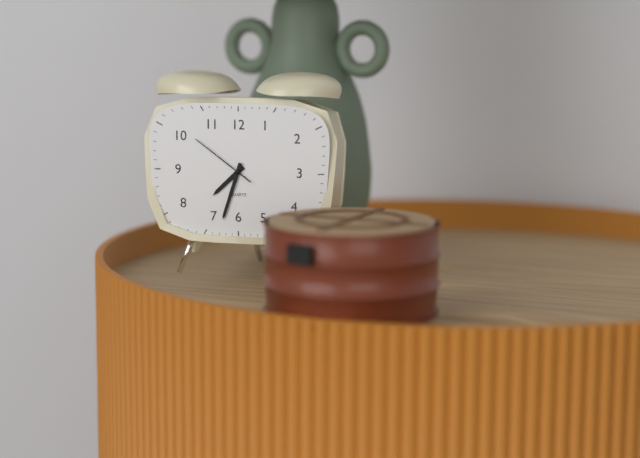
7:33:51
